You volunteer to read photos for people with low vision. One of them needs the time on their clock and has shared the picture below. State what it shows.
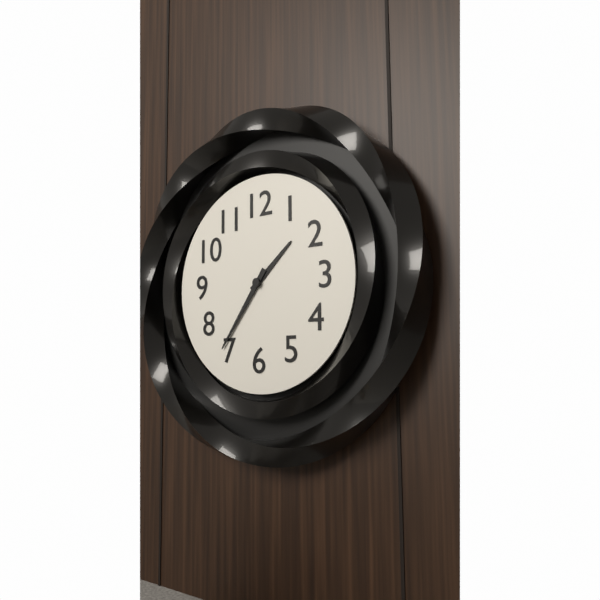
1:36
